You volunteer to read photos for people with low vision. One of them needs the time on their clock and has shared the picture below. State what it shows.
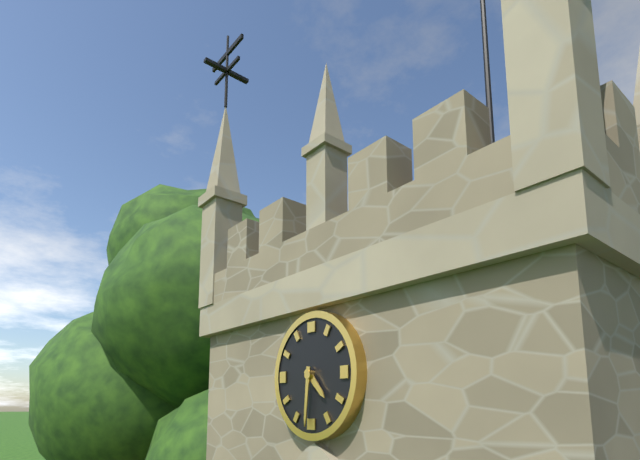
4:31
